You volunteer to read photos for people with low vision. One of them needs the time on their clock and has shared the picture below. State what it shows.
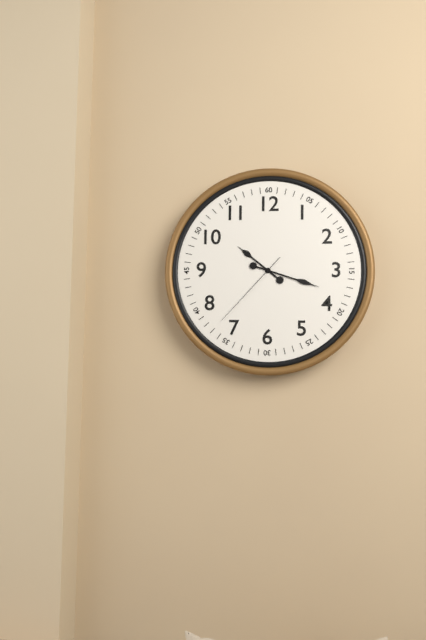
10:18:37
